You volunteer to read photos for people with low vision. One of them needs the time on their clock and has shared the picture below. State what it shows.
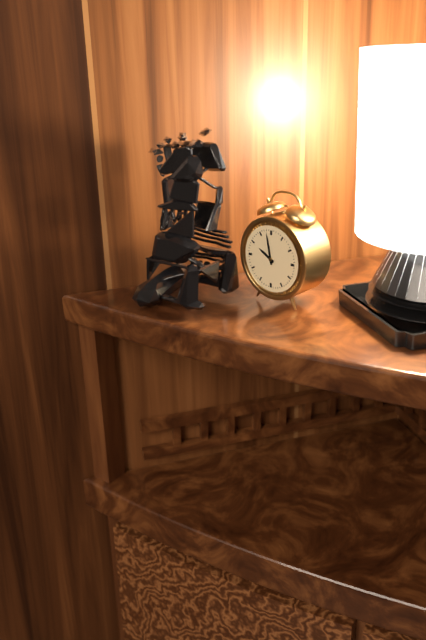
9:58
